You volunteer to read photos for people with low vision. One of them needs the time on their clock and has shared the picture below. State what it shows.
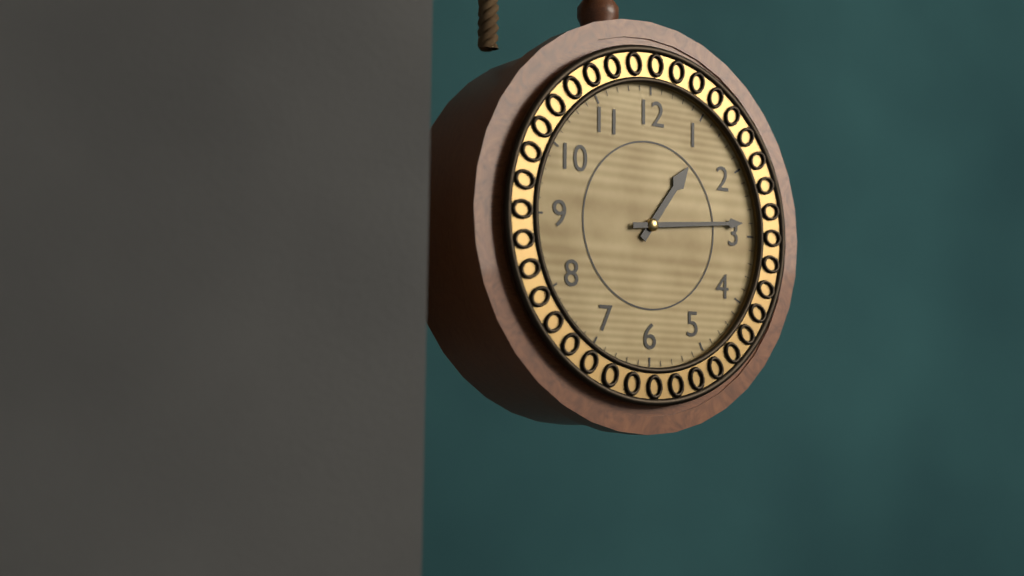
1:14
